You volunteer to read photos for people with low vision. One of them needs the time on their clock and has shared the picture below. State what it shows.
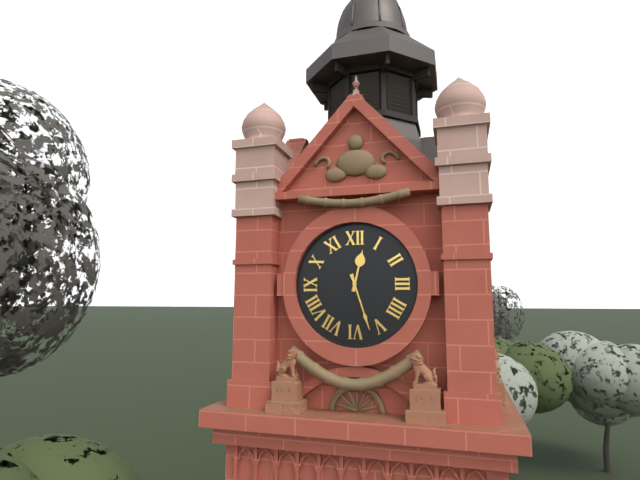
12:27
